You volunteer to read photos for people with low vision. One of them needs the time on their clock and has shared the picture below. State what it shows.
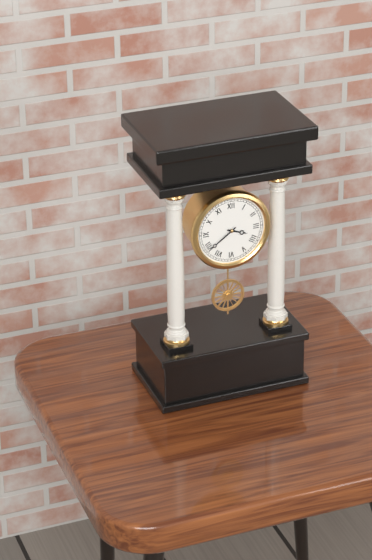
3:39
